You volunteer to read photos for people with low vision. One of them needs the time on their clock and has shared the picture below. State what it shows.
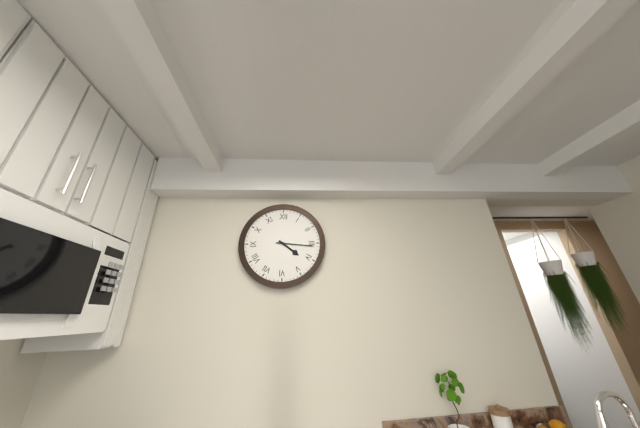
4:16
